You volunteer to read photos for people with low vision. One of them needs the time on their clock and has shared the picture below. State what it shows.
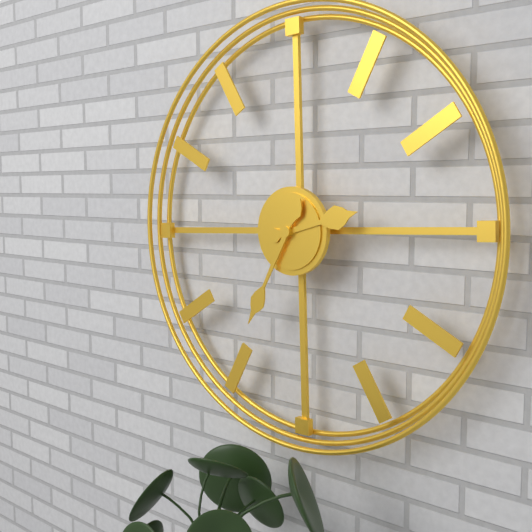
2:35
